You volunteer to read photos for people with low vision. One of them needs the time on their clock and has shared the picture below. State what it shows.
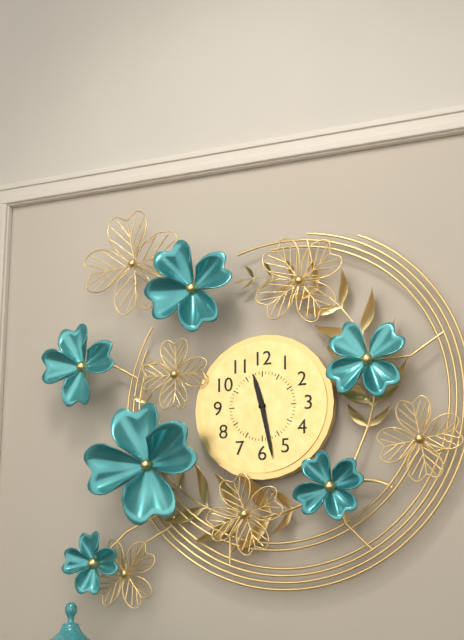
11:28
